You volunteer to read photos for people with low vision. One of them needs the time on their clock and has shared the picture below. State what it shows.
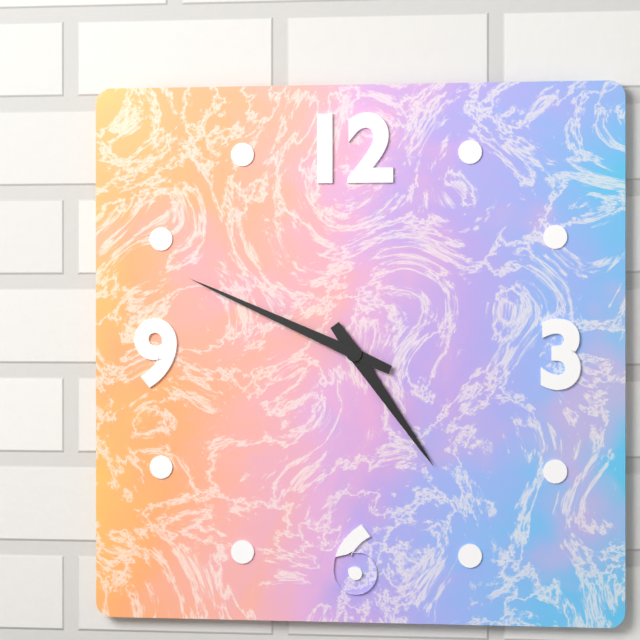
4:49
